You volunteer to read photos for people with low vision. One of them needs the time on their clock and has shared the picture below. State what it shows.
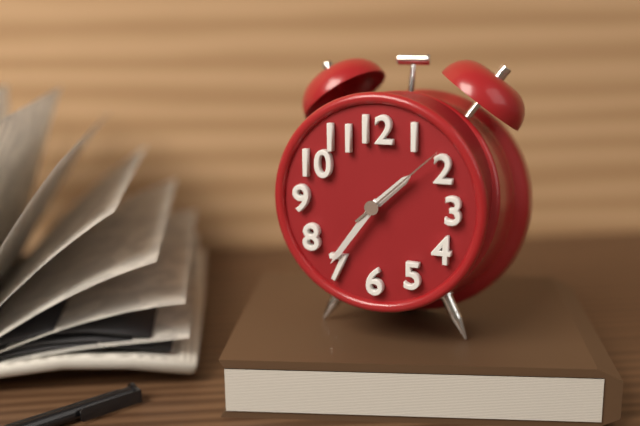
1:36:08
